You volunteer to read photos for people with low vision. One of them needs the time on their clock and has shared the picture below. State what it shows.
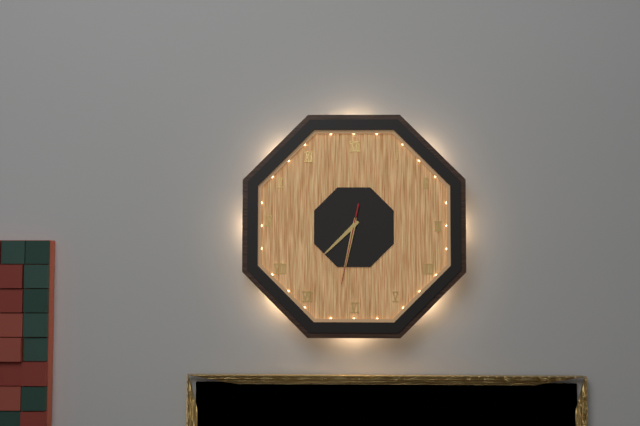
7:32:32
